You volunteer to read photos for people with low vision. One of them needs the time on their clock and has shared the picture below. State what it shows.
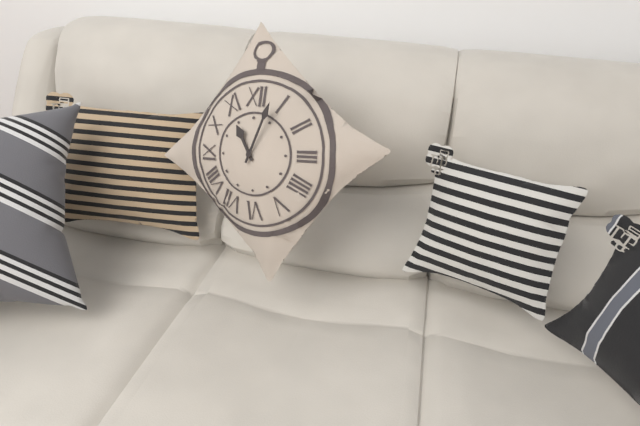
11:04
